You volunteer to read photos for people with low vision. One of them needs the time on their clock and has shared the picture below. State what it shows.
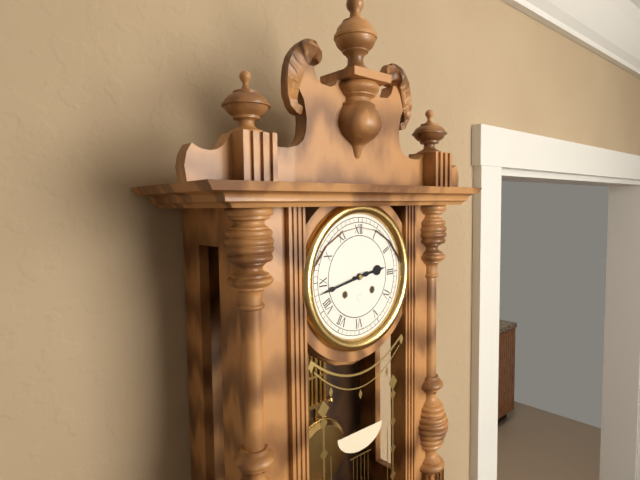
2:43
